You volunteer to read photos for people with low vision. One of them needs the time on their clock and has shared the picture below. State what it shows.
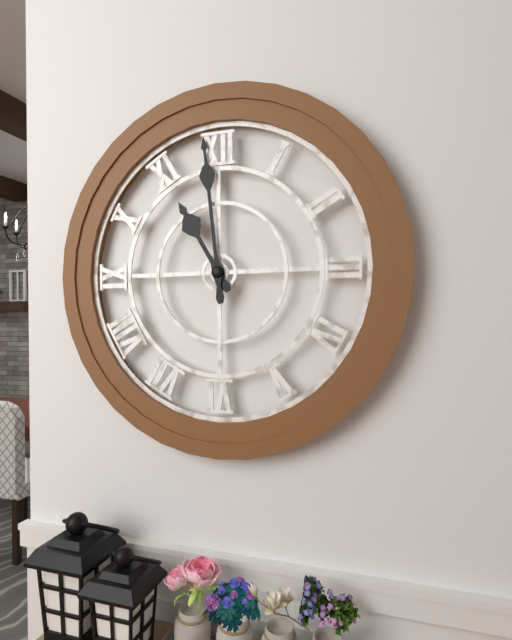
10:59
